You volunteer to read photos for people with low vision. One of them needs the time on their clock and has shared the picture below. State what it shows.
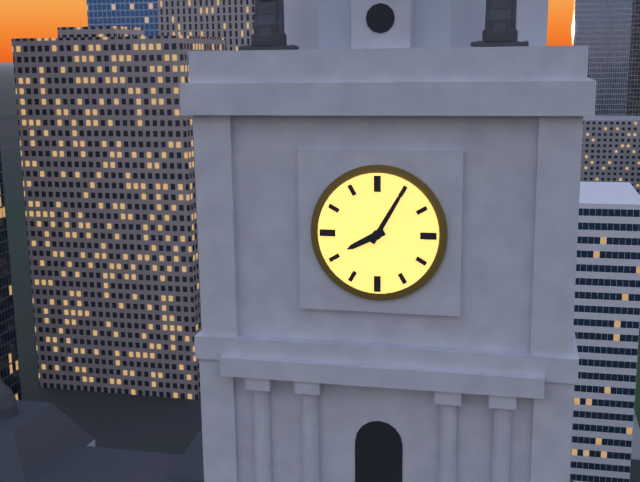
8:05
